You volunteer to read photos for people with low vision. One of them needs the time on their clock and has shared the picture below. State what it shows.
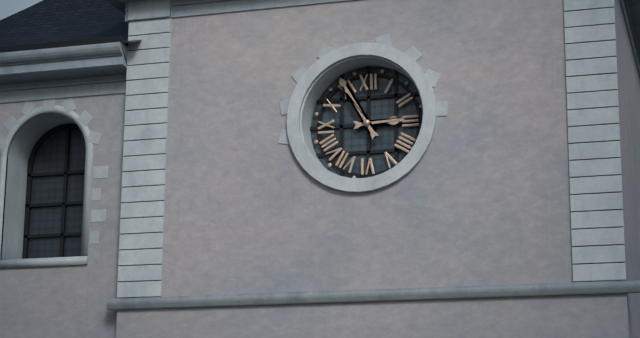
2:55
